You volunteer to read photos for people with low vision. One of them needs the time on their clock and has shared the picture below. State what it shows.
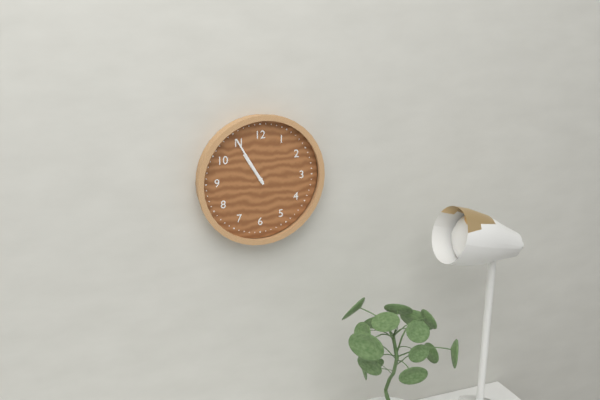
10:55
